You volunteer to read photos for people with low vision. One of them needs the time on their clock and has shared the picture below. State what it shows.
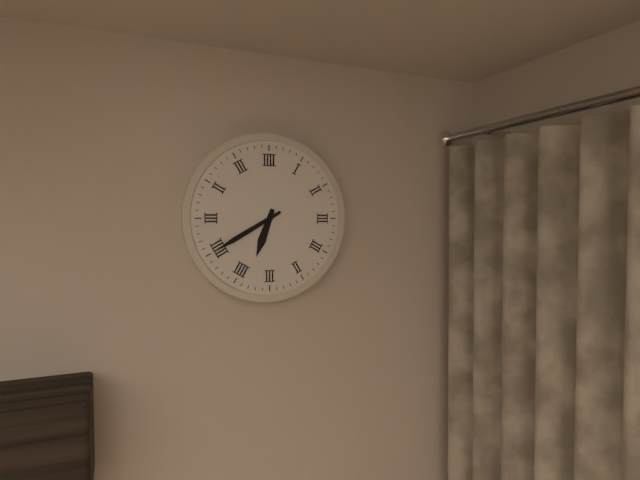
6:40
